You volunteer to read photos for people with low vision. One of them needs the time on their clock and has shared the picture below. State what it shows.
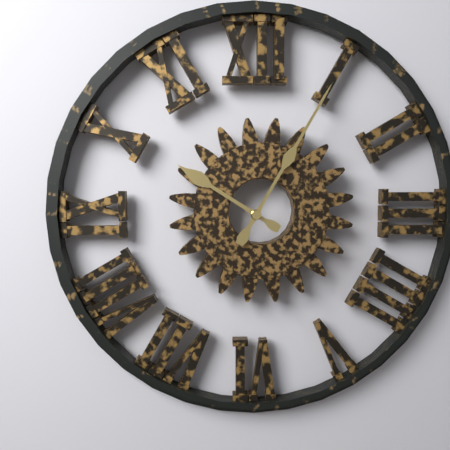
10:05
